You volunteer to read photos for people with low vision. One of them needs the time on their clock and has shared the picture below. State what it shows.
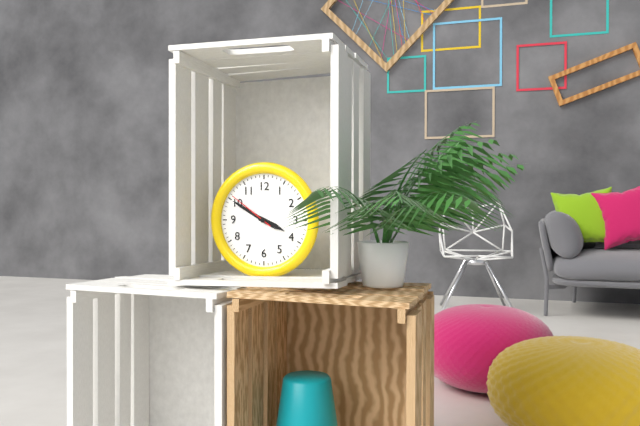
3:50
